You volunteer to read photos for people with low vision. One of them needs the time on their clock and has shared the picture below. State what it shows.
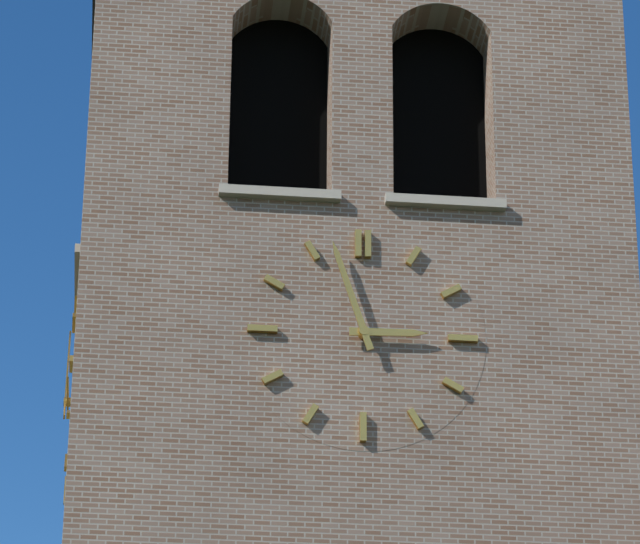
2:57
